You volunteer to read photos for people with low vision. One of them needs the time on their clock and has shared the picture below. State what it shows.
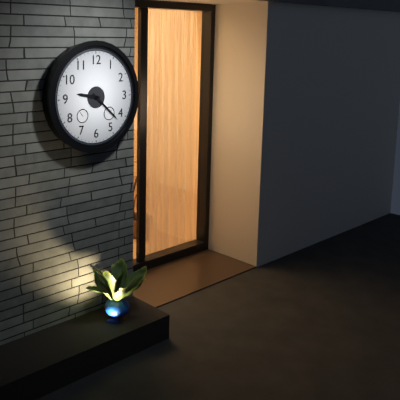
9:22
